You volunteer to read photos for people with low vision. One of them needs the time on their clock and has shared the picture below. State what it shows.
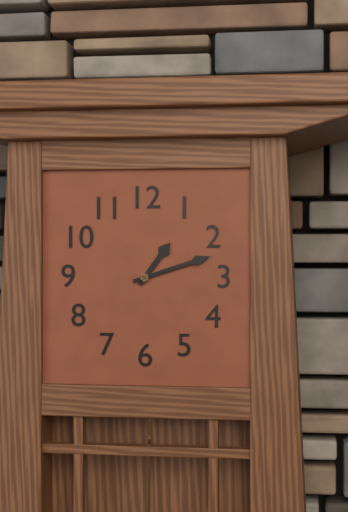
1:12
